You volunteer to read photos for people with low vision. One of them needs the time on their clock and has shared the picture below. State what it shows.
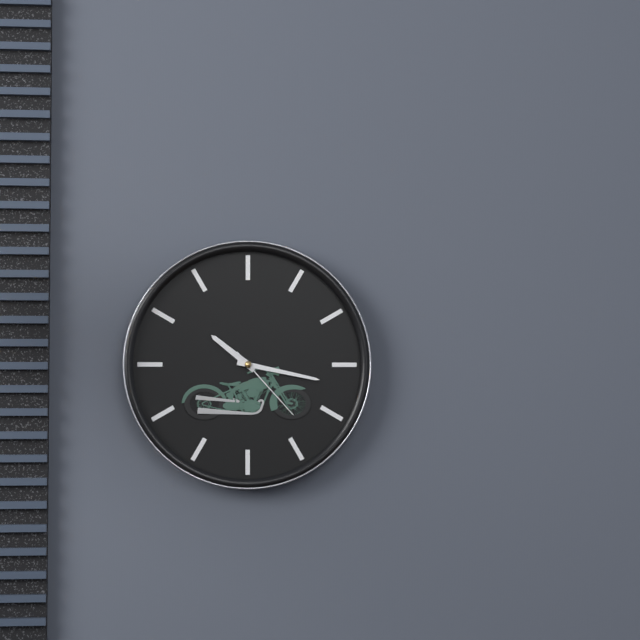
10:17:23
